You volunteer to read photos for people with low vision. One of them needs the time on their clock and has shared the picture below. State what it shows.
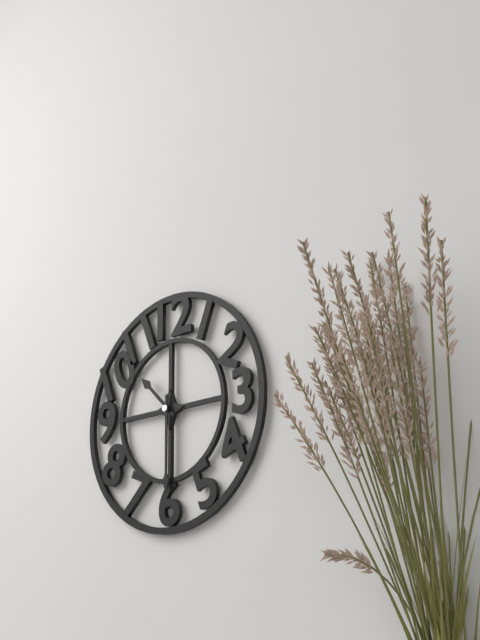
10:30
